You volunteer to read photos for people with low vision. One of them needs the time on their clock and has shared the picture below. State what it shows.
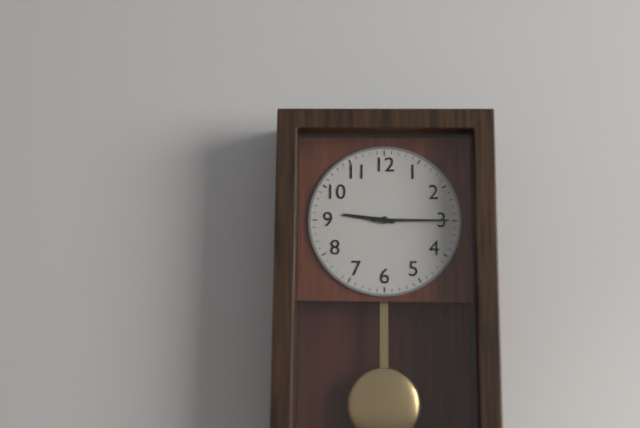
9:15
